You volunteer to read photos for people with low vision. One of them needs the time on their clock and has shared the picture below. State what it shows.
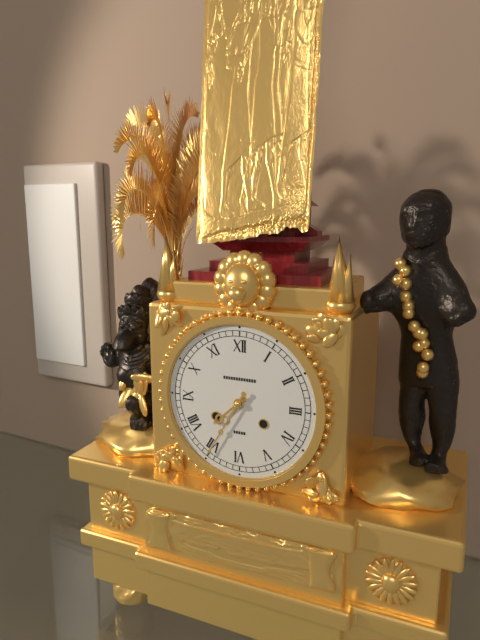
7:35
